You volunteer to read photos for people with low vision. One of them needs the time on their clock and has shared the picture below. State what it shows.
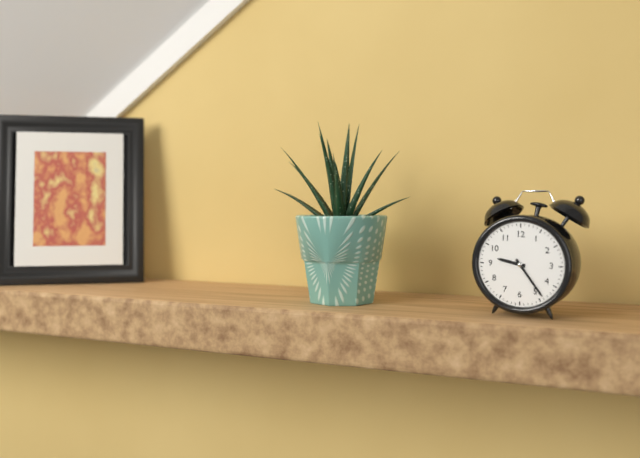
9:24
